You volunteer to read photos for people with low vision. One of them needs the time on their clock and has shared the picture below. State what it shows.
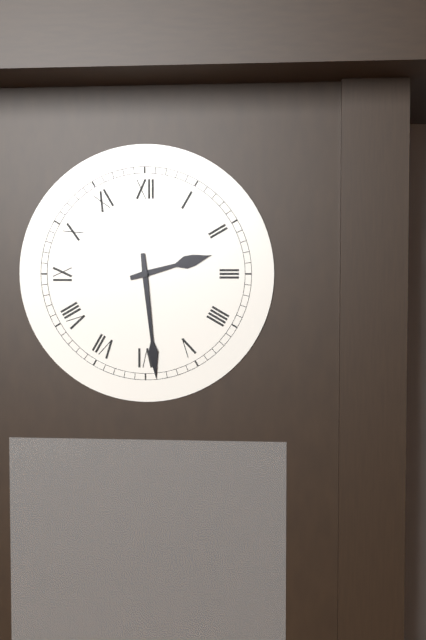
2:29
